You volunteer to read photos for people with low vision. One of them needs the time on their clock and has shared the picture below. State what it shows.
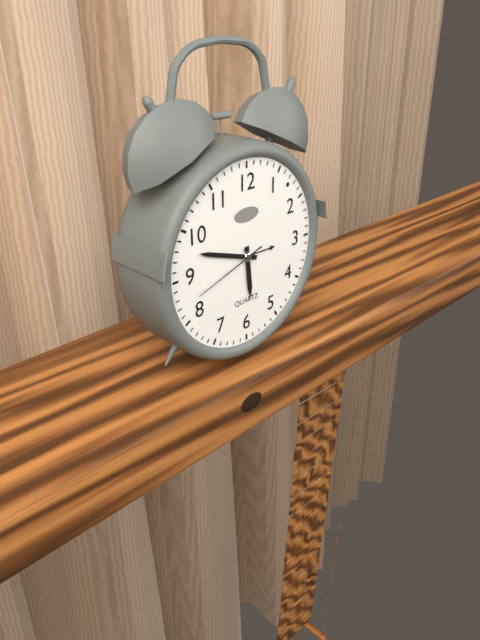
5:48:42
